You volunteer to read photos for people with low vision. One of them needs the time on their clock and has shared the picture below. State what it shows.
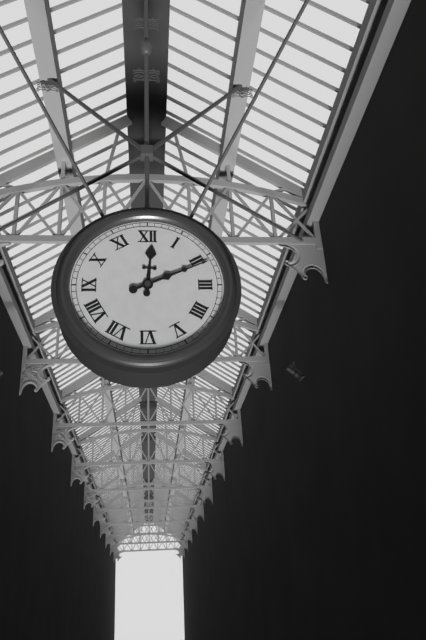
12:11
